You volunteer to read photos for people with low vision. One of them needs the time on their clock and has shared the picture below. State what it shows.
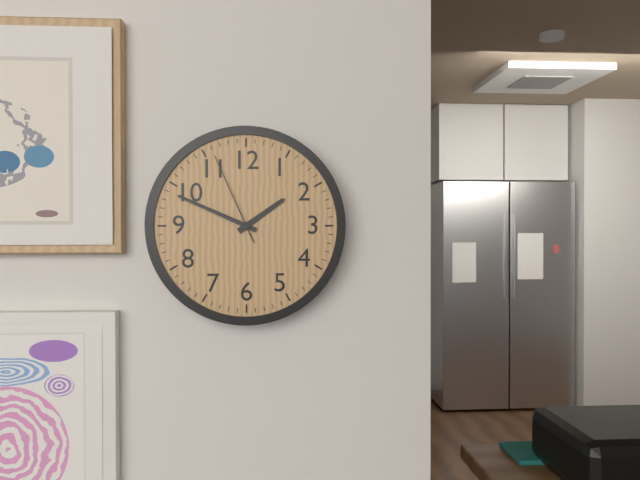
1:49:56
